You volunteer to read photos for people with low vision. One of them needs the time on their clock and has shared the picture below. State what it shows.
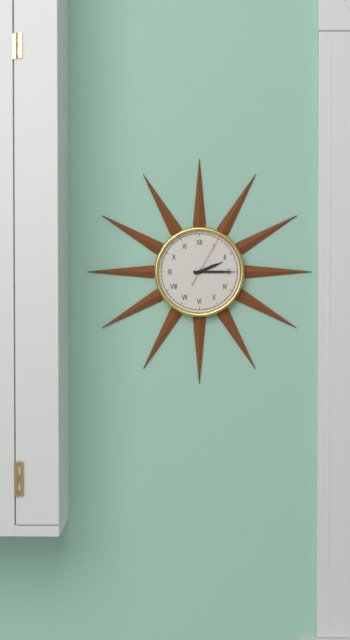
2:15
